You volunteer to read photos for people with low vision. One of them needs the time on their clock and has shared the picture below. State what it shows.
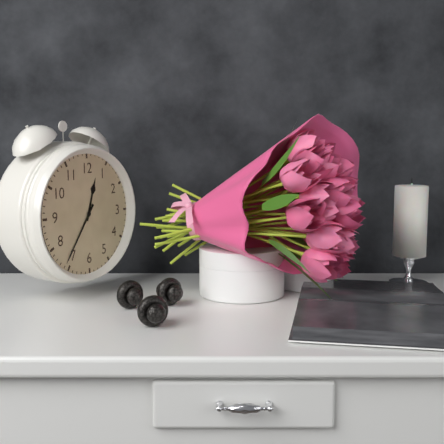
12:36
